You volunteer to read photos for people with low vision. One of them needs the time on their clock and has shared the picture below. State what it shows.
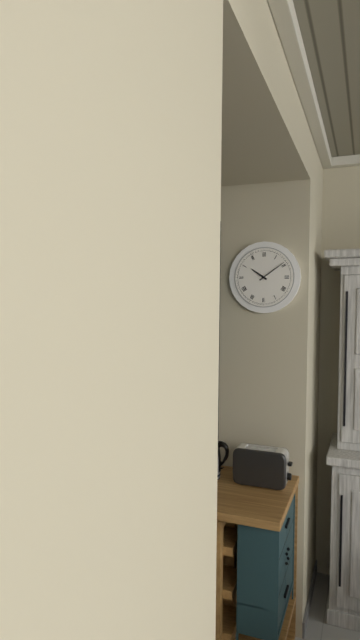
10:09
